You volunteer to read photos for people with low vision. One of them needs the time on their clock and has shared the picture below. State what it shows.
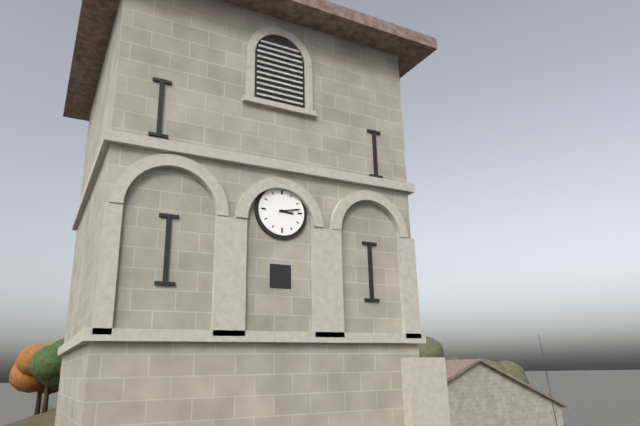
3:13
